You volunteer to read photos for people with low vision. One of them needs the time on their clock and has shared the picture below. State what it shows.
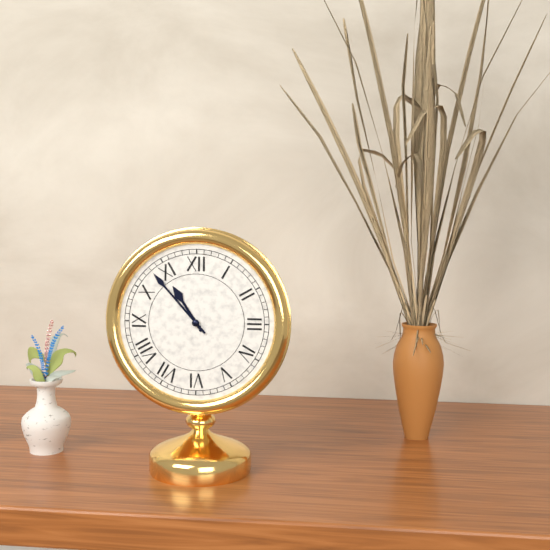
10:53
